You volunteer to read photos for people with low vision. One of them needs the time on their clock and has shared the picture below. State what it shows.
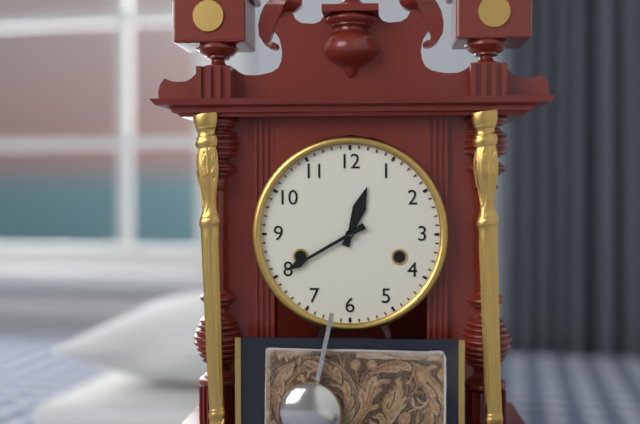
12:40
